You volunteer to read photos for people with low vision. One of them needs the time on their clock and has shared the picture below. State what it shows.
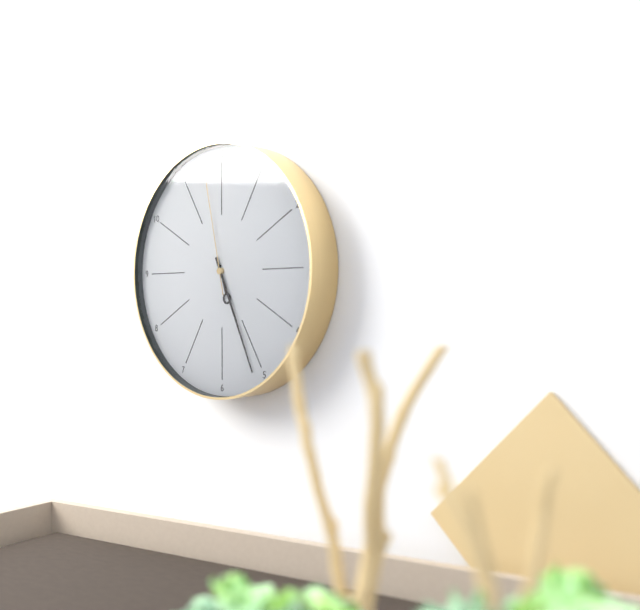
5:26:58
